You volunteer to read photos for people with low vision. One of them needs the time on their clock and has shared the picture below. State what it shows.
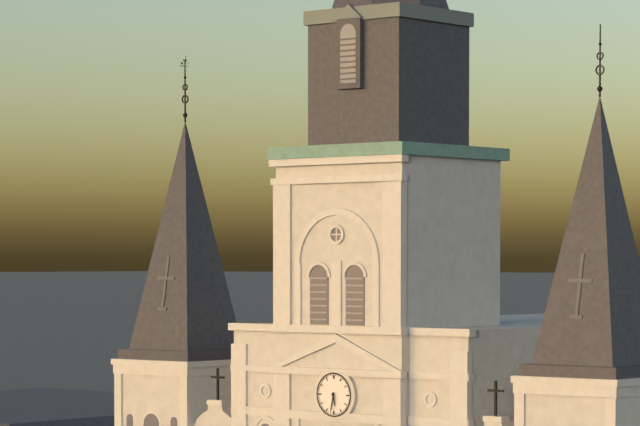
5:32
